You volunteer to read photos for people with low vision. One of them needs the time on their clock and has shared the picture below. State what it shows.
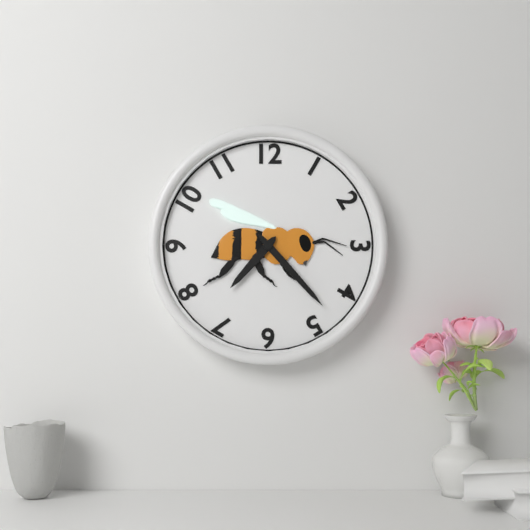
7:23
